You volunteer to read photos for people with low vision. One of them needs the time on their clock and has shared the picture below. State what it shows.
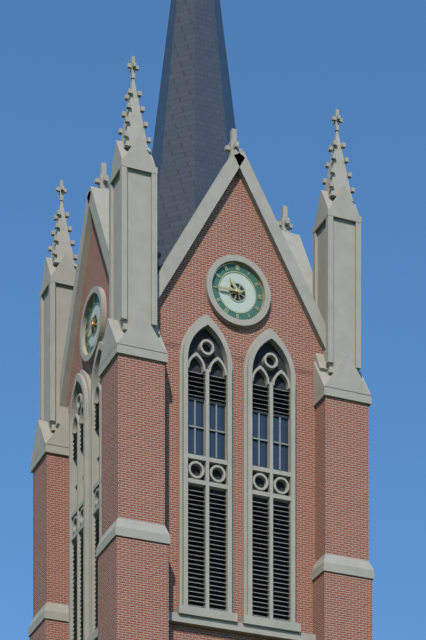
10:45
